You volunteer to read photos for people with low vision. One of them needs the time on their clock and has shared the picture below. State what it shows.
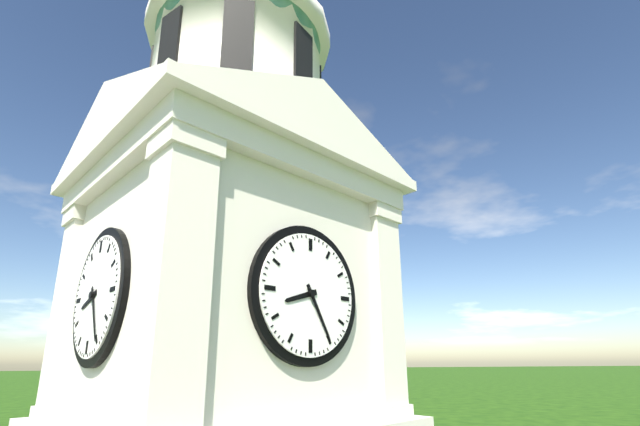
8:25
